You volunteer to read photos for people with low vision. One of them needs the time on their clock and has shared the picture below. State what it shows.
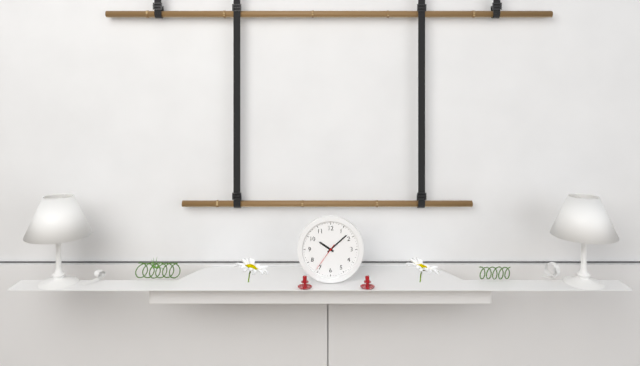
10:08
